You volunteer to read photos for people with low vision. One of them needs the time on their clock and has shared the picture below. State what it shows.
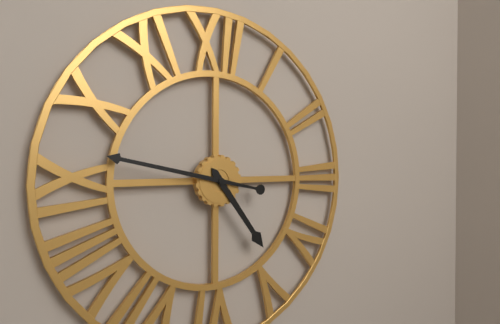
4:47
